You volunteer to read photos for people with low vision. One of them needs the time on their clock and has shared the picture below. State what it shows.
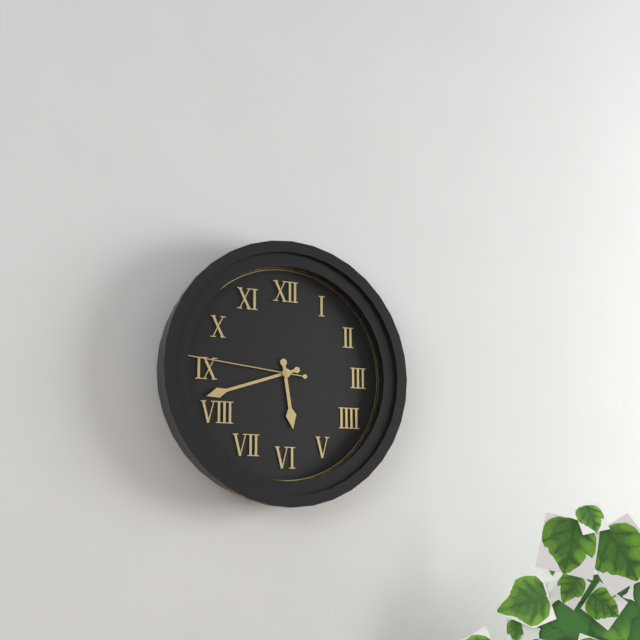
5:42:46
